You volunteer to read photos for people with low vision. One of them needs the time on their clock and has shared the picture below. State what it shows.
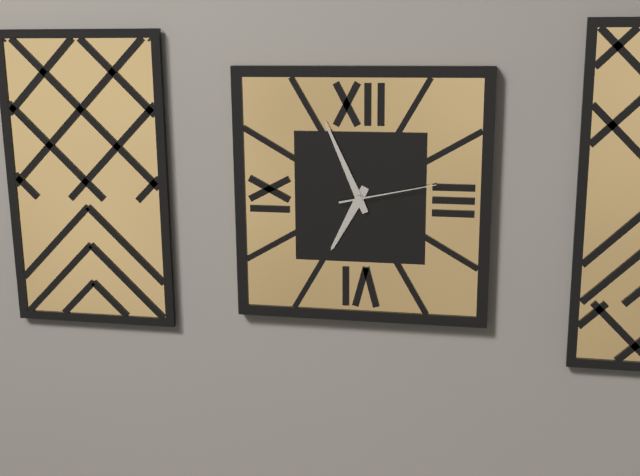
6:56:13
